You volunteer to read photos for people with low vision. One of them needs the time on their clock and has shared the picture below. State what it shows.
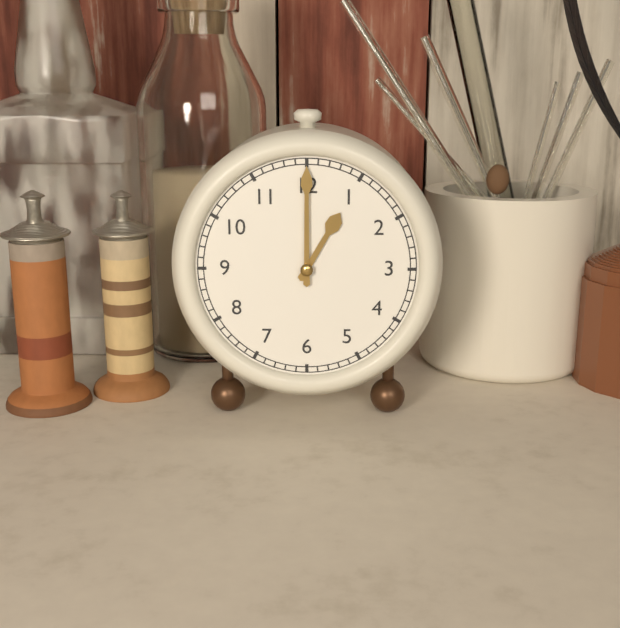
1:00
